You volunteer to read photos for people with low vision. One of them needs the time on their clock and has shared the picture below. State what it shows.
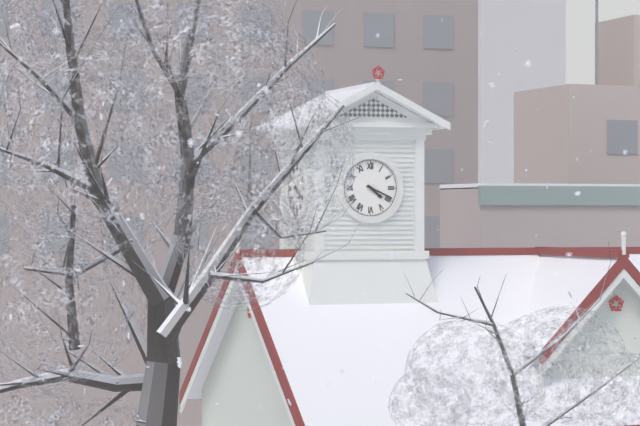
4:19
